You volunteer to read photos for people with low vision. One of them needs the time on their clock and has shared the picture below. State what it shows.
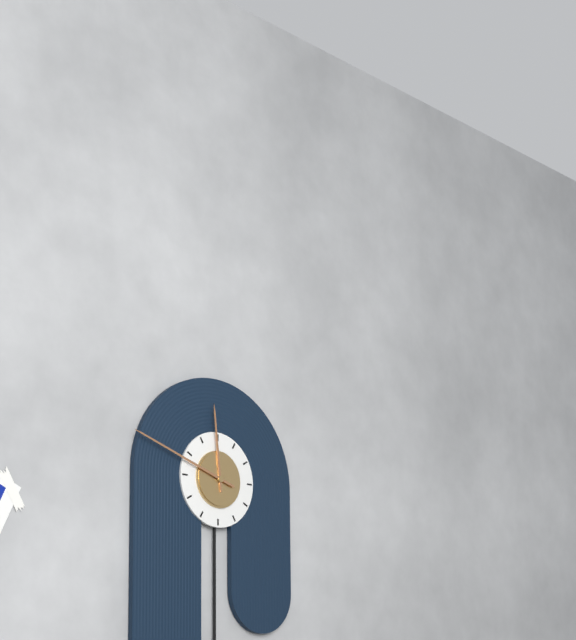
11:48
